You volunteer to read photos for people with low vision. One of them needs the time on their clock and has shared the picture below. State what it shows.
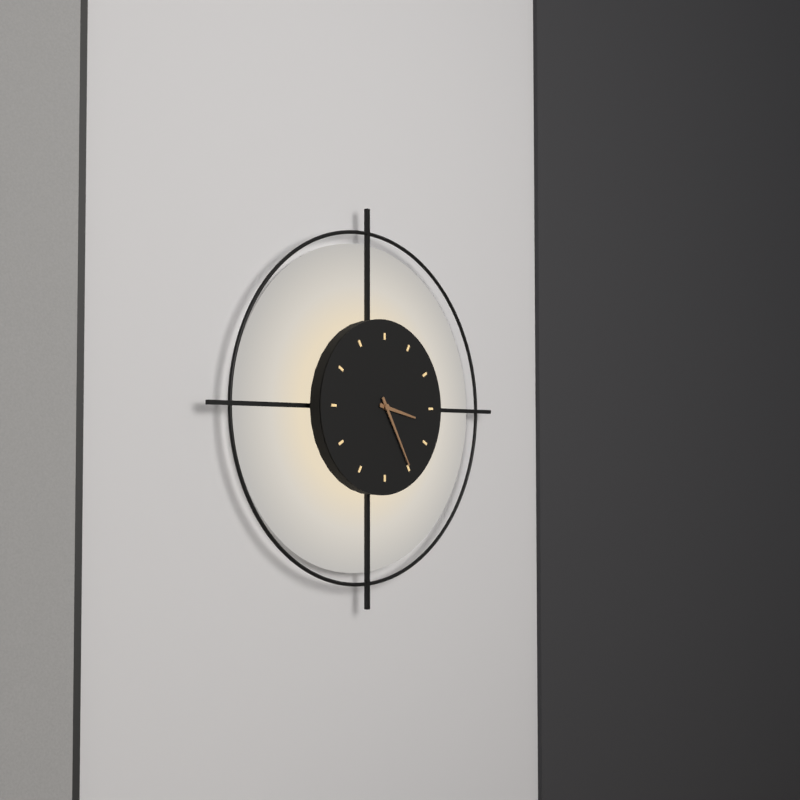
3:25
